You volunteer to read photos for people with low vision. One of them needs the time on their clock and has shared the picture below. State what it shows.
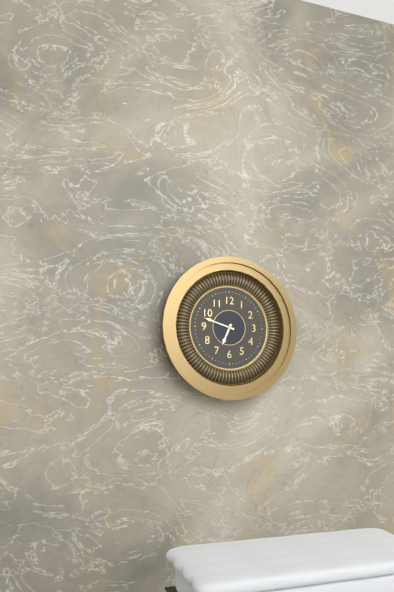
6:48
